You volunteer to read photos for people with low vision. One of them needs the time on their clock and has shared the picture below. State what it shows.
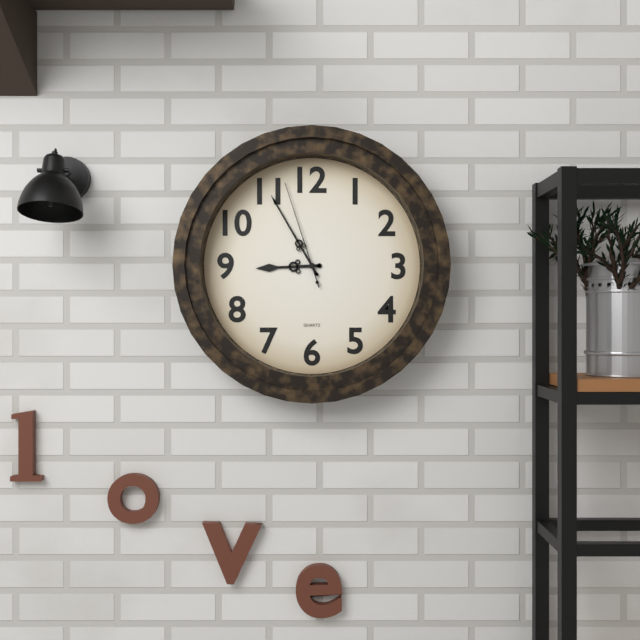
8:55:57
